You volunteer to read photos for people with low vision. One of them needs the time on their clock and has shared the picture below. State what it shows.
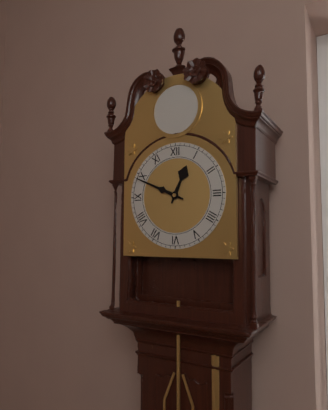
12:49
